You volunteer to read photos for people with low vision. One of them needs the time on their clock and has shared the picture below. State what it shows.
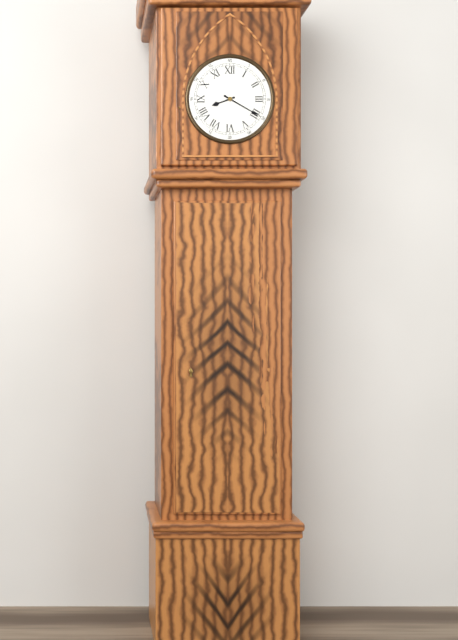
8:20
